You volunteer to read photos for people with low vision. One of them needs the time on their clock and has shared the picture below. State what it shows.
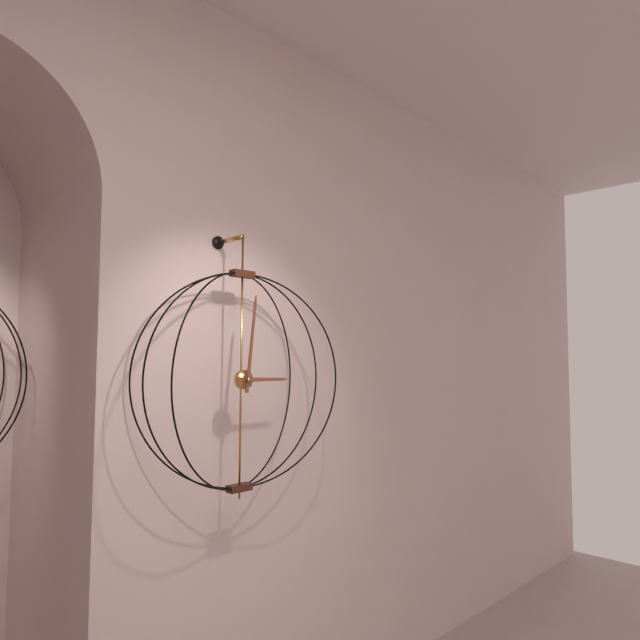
3:01
